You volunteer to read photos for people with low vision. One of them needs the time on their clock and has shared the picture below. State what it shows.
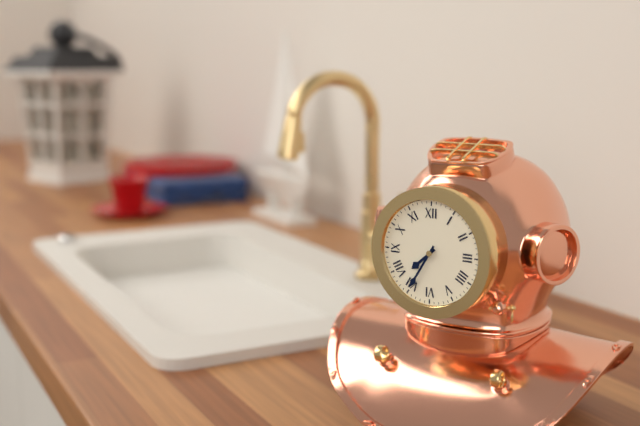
7:35
